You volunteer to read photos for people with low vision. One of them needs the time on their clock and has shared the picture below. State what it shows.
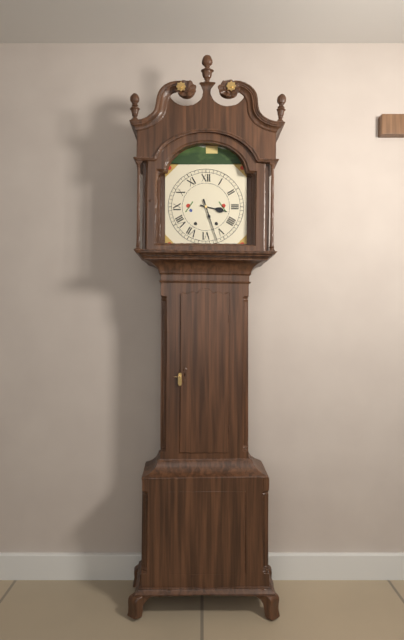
3:27
